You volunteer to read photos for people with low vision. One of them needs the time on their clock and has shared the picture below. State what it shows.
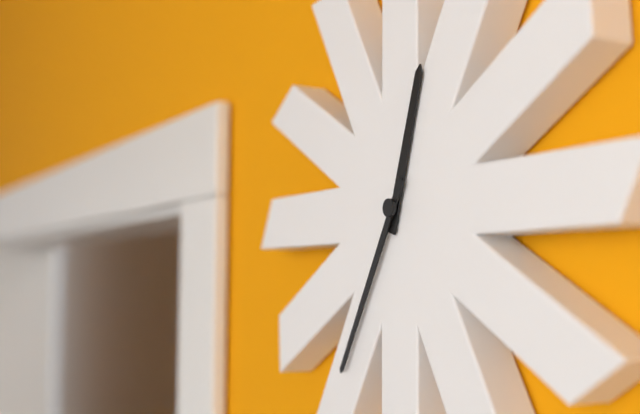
12:35
